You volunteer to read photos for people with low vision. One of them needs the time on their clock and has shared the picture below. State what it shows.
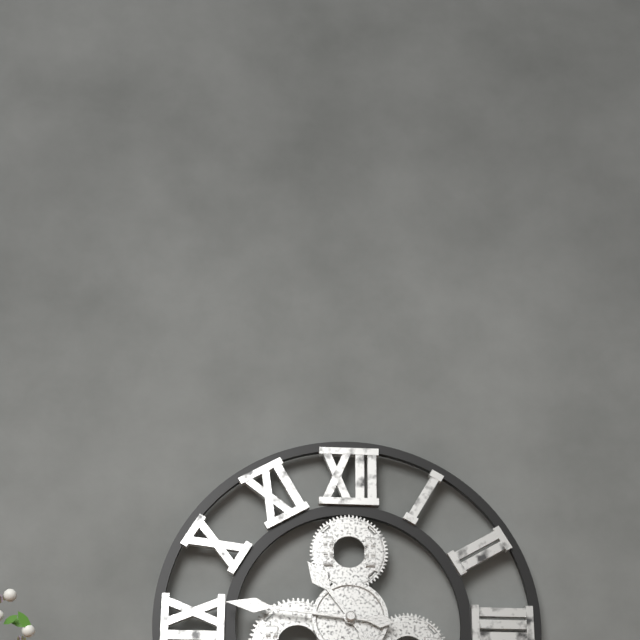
10:46
